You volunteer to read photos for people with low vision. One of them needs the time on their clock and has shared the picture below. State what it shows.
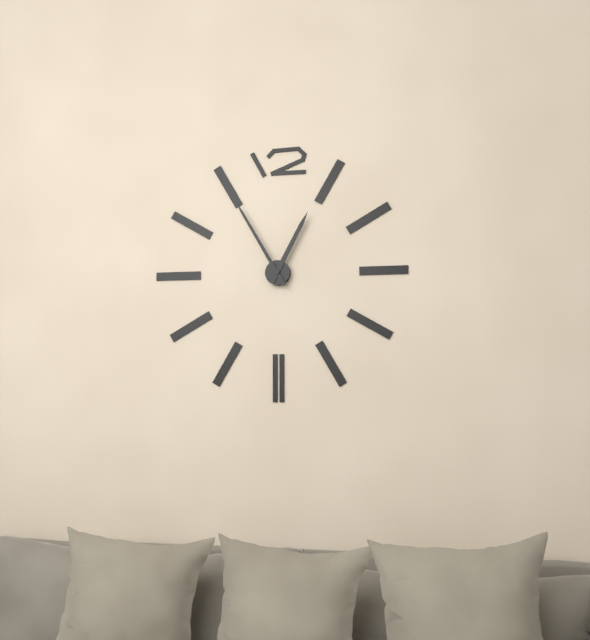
12:55
